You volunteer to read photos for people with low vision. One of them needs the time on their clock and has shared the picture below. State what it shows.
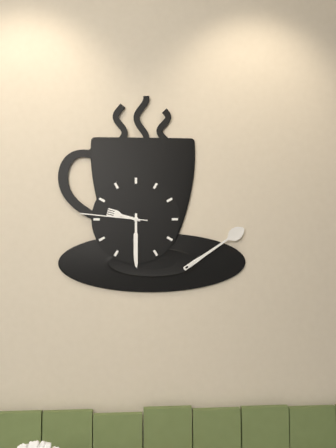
9:30:46
